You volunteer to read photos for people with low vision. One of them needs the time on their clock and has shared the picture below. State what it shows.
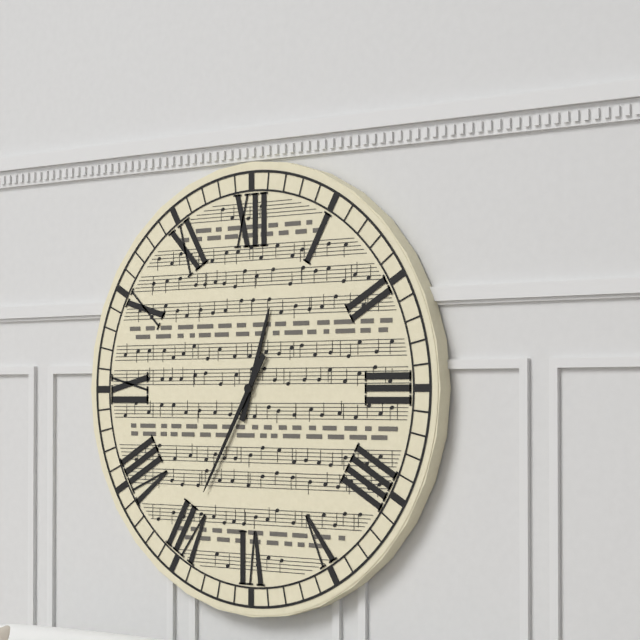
12:35
